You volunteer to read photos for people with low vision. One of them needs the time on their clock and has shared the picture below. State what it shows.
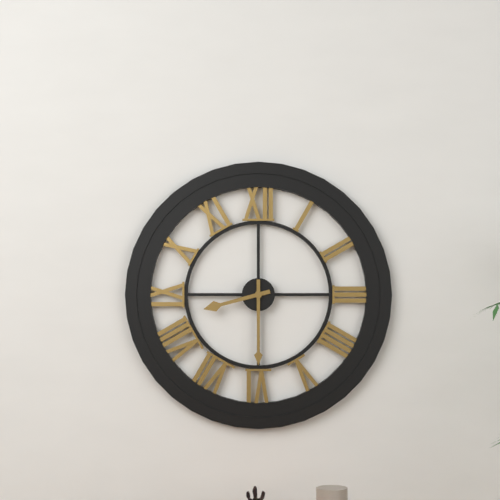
8:30
